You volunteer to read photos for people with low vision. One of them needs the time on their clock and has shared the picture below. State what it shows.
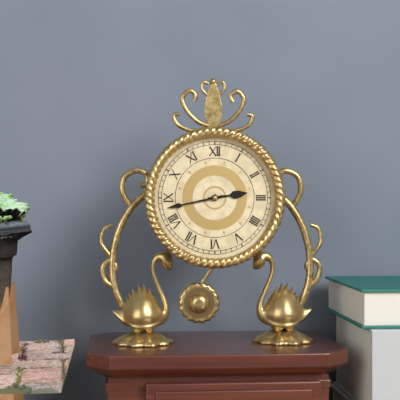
2:43
